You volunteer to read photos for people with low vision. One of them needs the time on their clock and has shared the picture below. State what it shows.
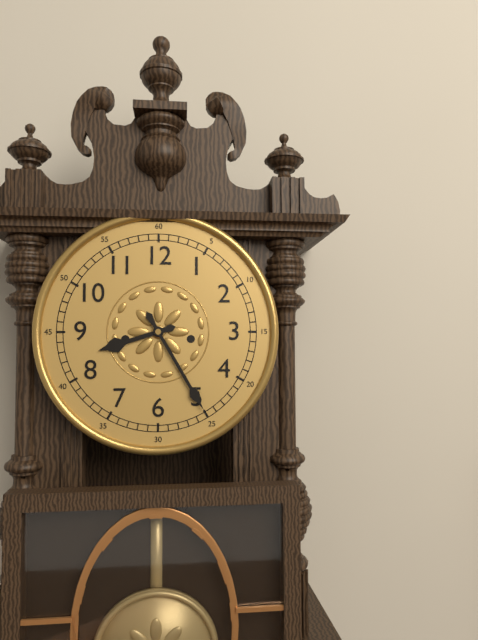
8:25
